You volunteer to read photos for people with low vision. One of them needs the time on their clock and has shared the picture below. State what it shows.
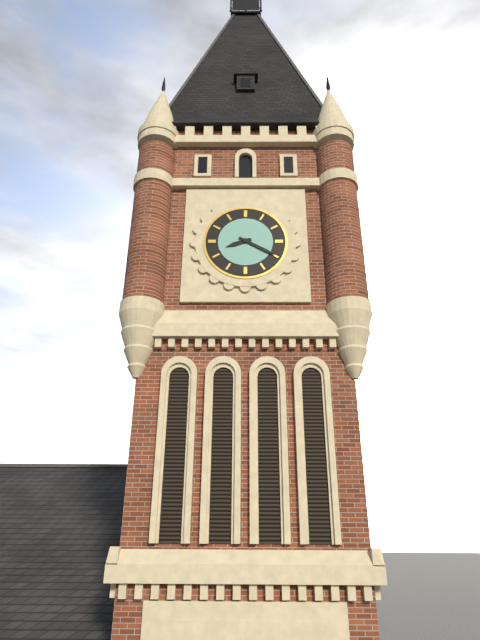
8:20
